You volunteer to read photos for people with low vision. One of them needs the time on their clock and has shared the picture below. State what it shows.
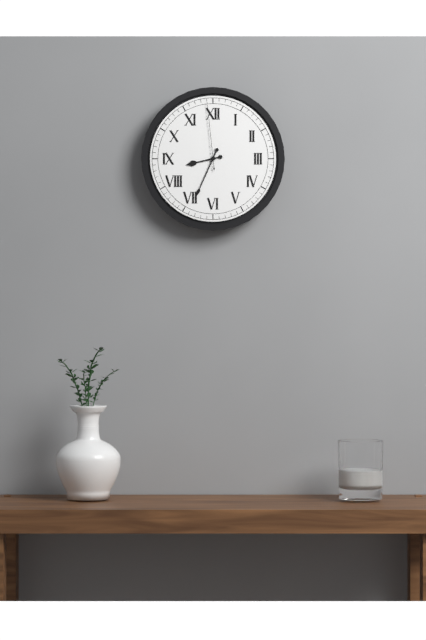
8:34:59
